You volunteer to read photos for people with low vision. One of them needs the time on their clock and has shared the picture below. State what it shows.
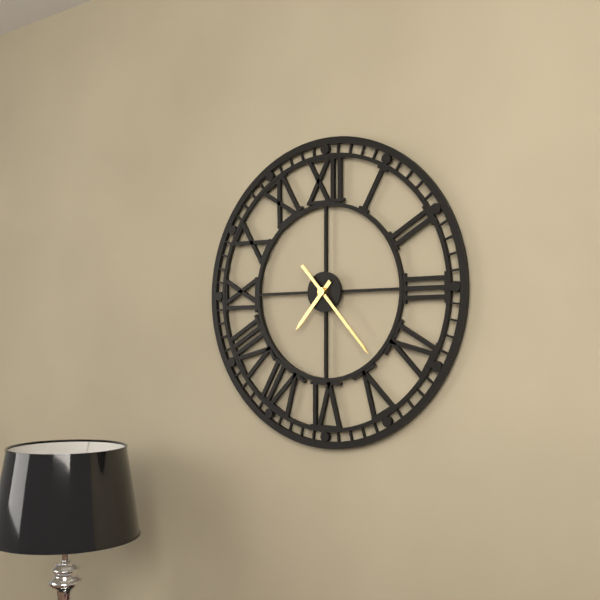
7:23
